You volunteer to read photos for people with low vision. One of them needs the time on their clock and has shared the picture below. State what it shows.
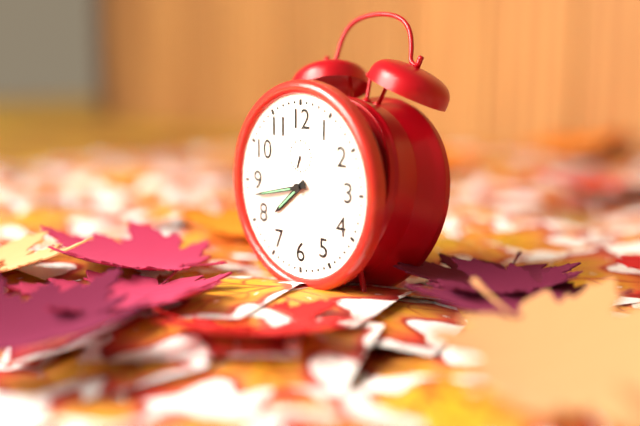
7:43
